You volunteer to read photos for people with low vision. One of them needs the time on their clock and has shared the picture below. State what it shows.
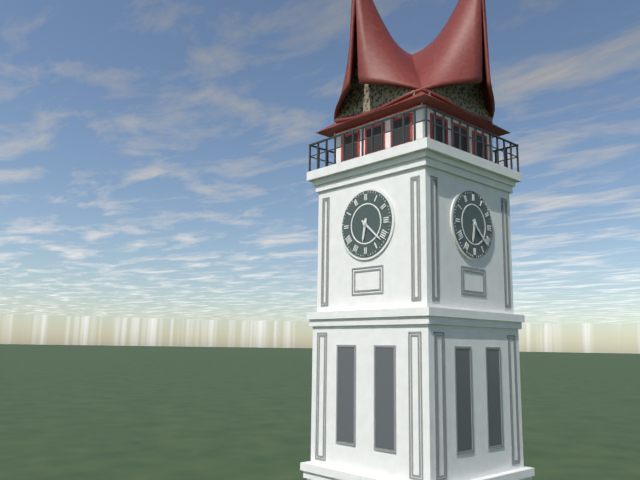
6:22
